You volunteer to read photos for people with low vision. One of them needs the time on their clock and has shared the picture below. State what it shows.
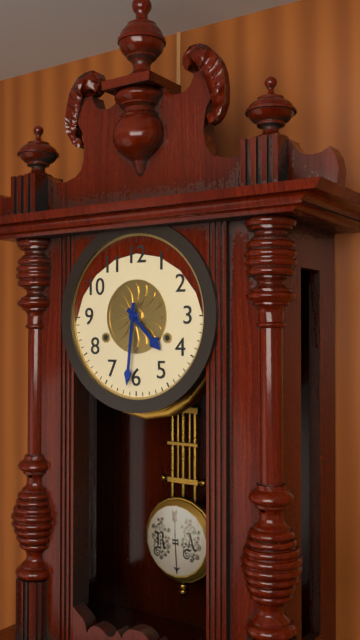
4:31
